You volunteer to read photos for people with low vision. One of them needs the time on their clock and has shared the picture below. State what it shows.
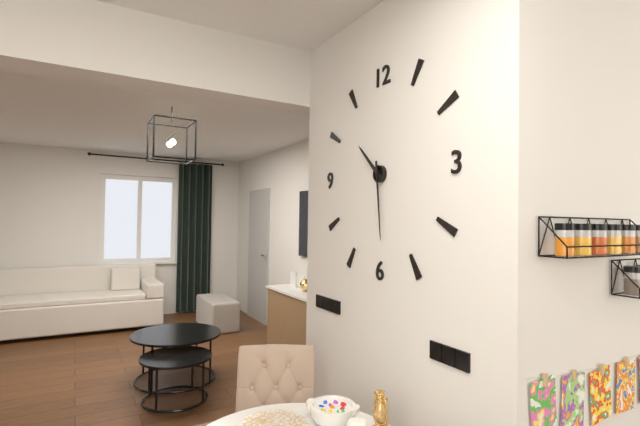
10:29
